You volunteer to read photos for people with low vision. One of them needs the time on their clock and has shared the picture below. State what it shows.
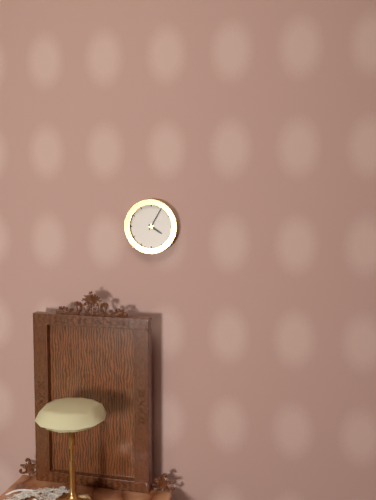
4:05
